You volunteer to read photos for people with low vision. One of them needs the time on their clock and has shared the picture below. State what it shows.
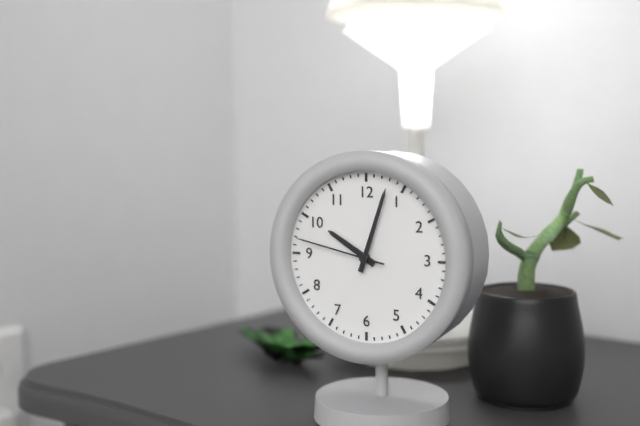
10:03:47
